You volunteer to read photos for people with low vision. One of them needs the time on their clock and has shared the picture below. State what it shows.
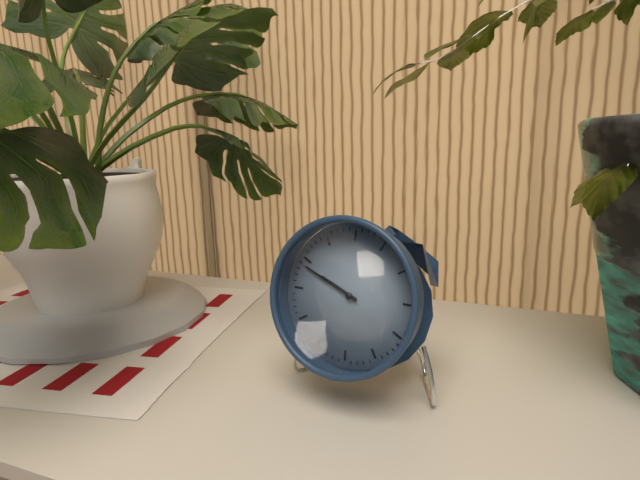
9:49
